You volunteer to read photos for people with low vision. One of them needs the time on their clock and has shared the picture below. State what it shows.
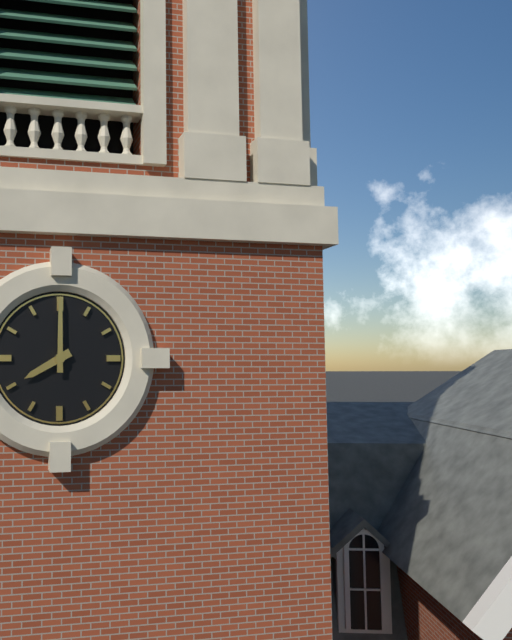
8:00
